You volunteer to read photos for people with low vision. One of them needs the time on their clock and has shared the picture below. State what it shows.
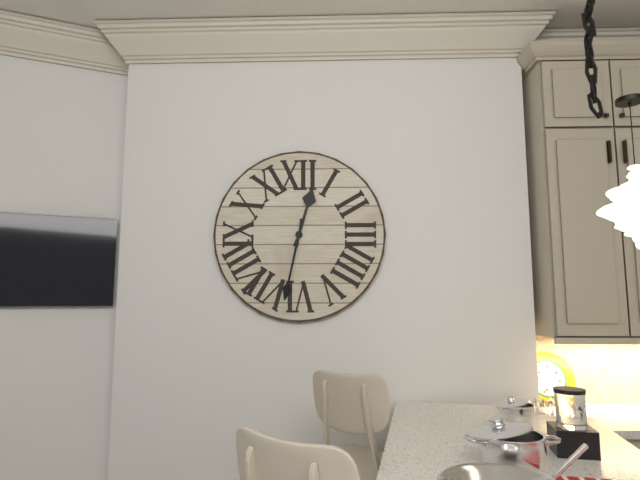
12:32
